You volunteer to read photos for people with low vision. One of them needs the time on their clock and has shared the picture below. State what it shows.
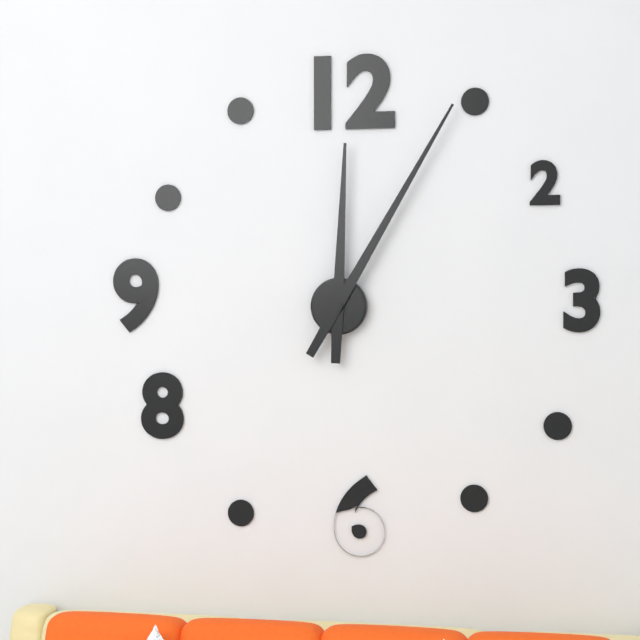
12:05
